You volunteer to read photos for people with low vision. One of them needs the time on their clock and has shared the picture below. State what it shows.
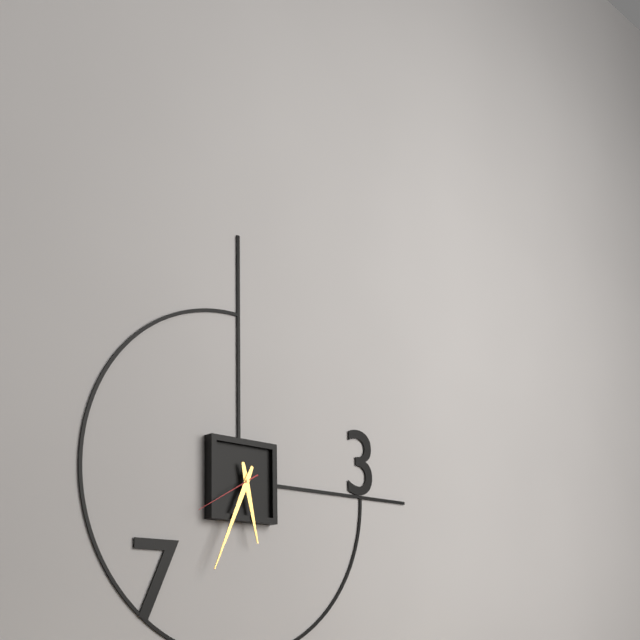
5:34:40
